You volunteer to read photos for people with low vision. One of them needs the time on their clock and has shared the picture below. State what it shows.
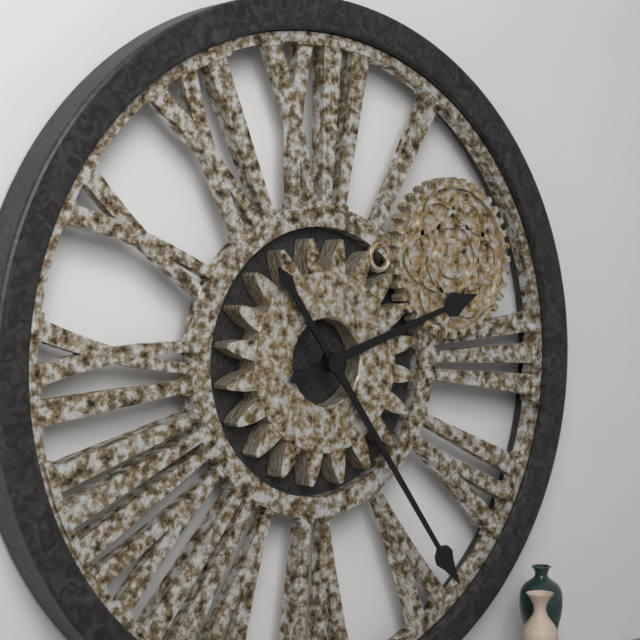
2:24
